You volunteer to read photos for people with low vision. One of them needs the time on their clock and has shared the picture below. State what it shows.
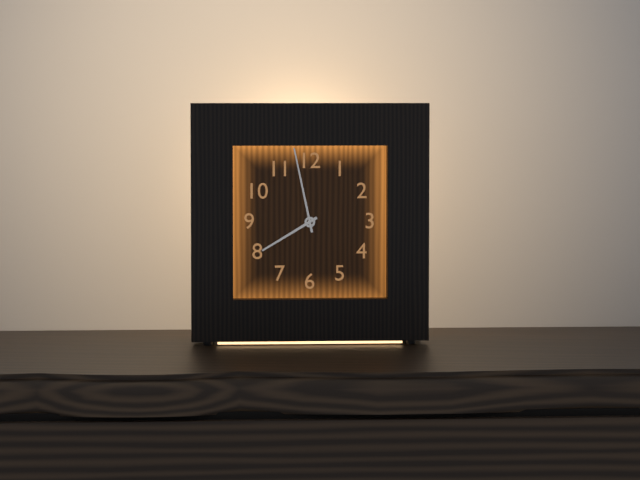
7:58
